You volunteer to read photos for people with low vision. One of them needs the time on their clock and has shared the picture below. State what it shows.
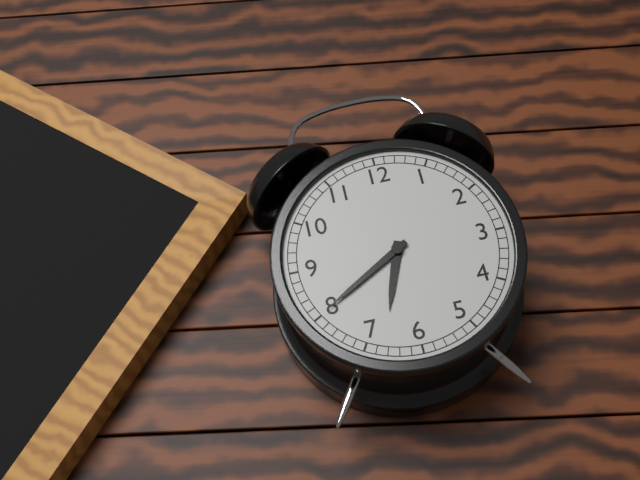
6:40
